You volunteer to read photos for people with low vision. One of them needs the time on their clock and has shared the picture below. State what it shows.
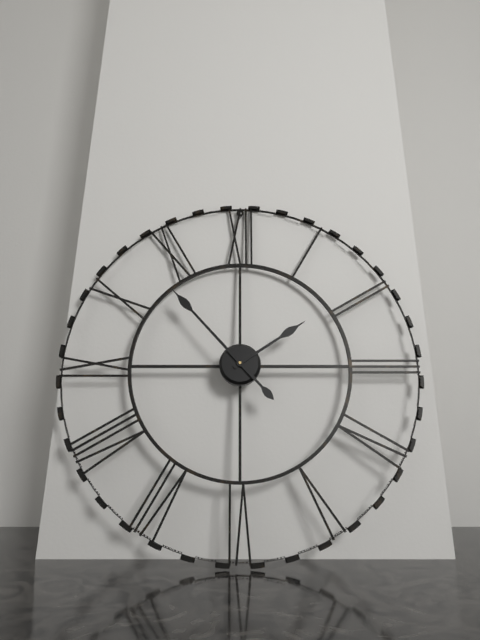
1:53
